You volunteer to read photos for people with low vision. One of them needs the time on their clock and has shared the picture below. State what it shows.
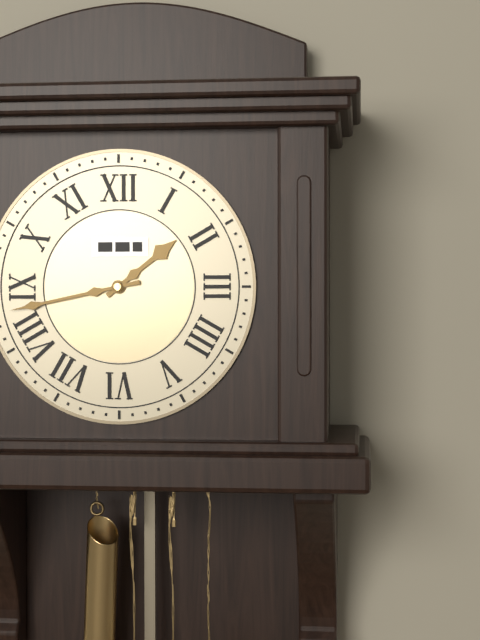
1:43
